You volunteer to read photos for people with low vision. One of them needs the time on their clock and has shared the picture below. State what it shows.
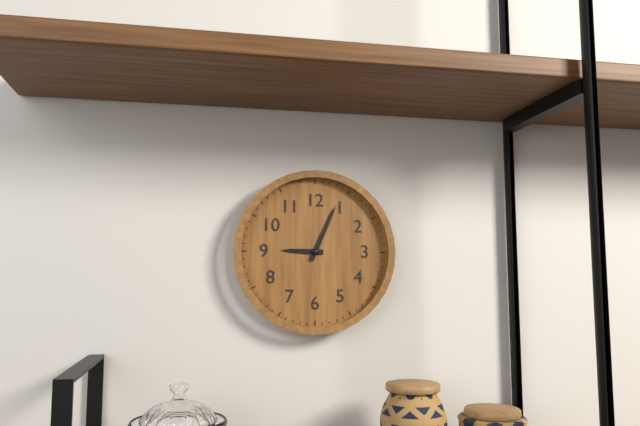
9:04
